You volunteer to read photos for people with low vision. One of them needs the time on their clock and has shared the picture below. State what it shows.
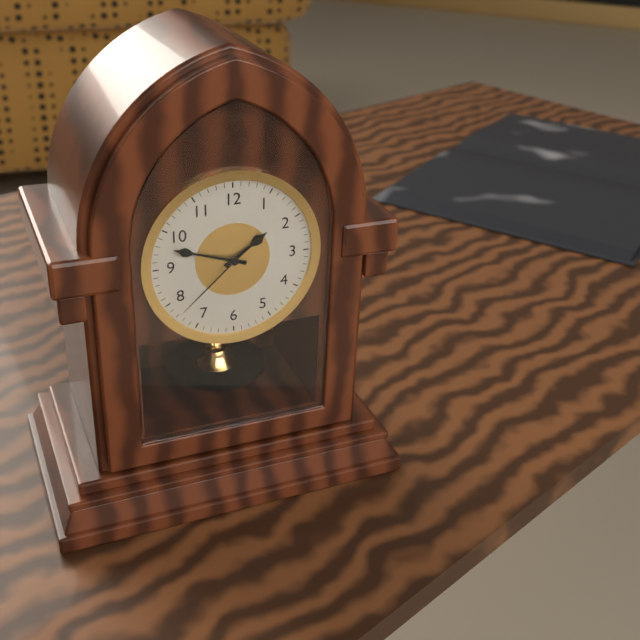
1:48:38
